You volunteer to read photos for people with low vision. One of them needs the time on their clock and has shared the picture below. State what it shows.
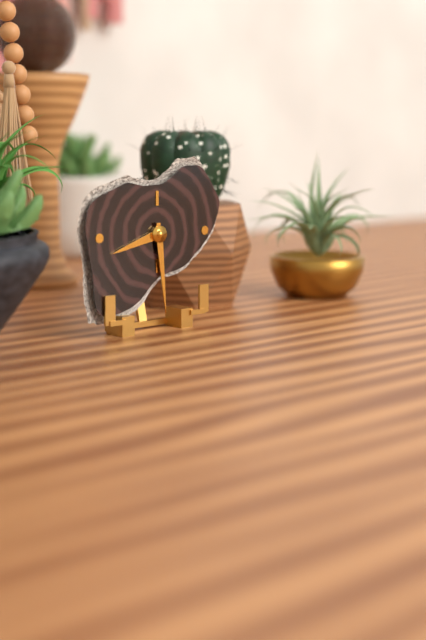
8:29
